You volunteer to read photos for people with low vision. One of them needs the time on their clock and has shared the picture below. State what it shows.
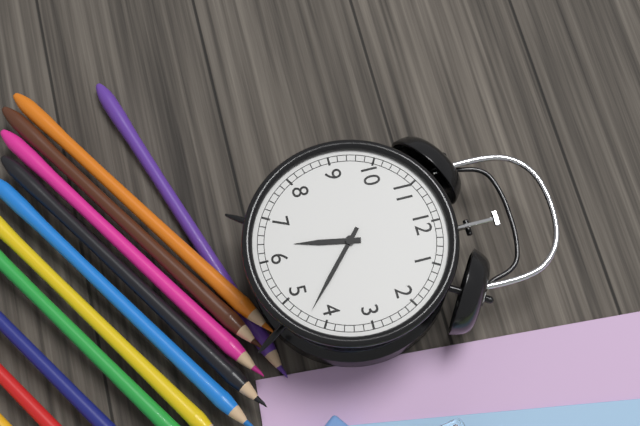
6:22
